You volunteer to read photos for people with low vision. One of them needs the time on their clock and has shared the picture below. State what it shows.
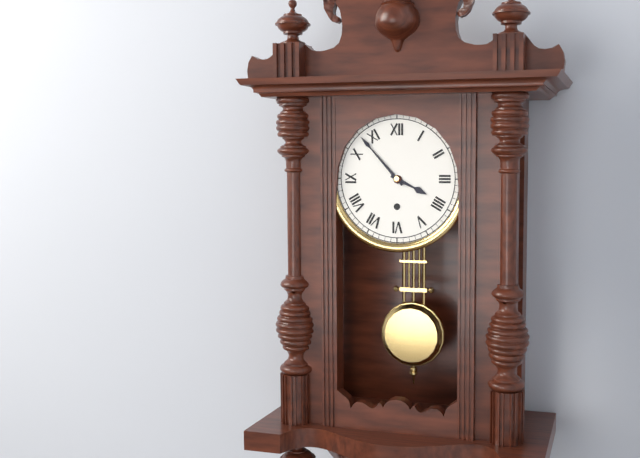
3:53
